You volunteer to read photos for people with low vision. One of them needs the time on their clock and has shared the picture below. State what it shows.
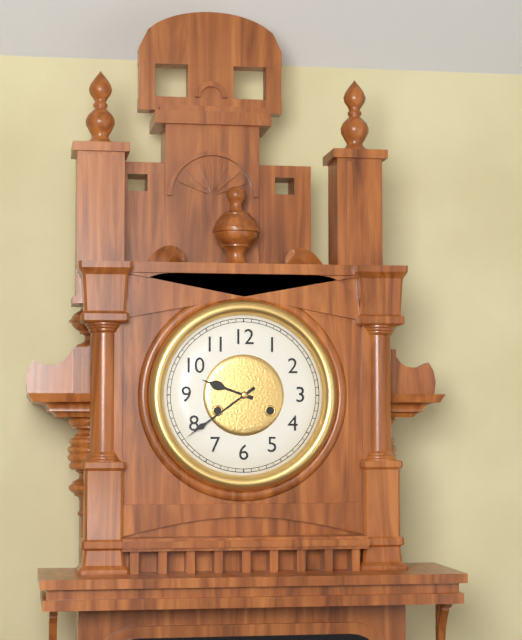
9:39
